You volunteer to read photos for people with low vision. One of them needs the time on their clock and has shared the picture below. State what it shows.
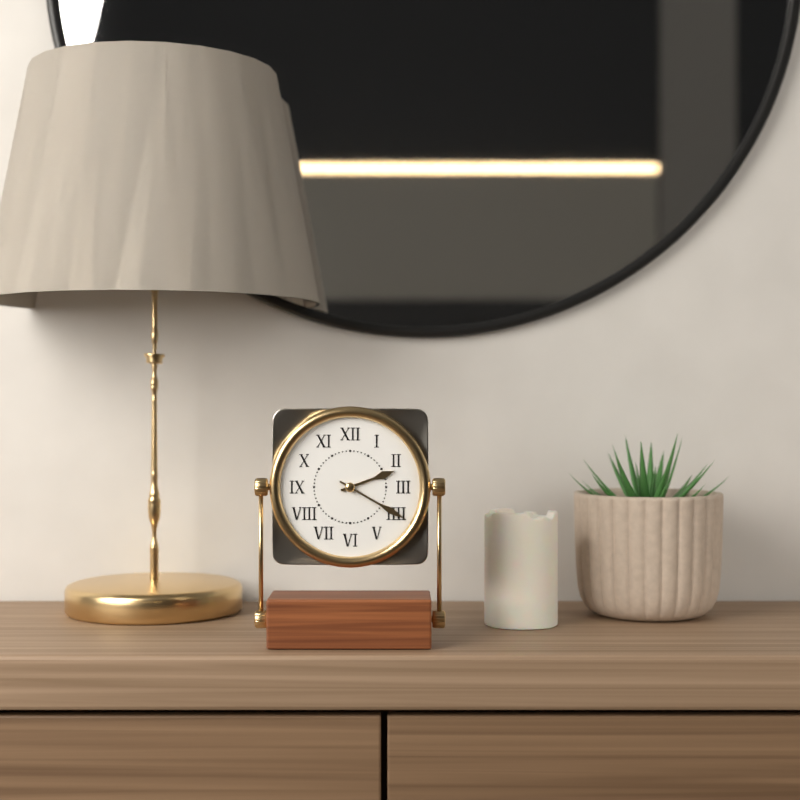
2:20
